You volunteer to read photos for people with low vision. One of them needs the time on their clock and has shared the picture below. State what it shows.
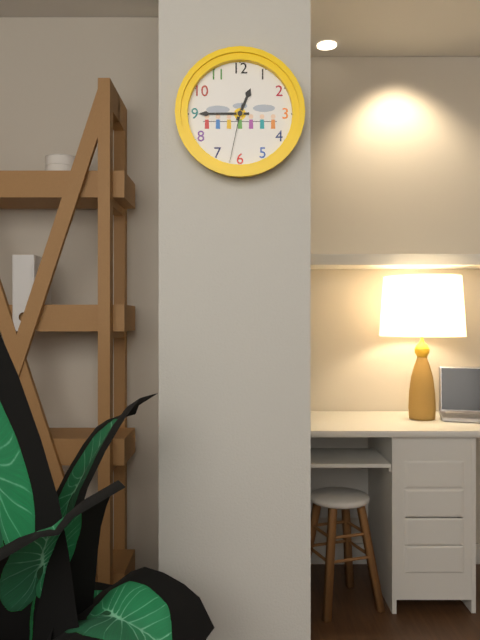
12:45:32
